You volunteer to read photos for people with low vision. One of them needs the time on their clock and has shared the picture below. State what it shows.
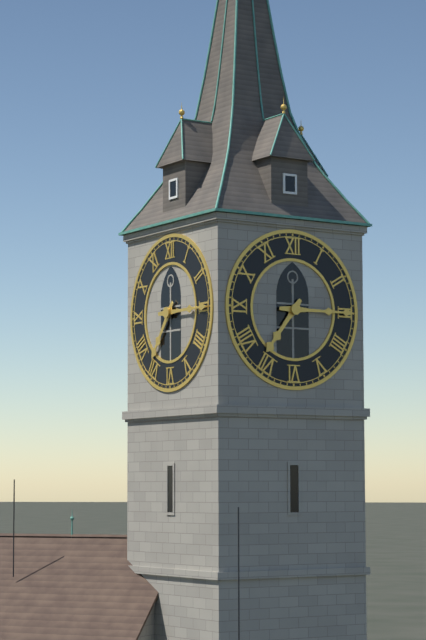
7:15
